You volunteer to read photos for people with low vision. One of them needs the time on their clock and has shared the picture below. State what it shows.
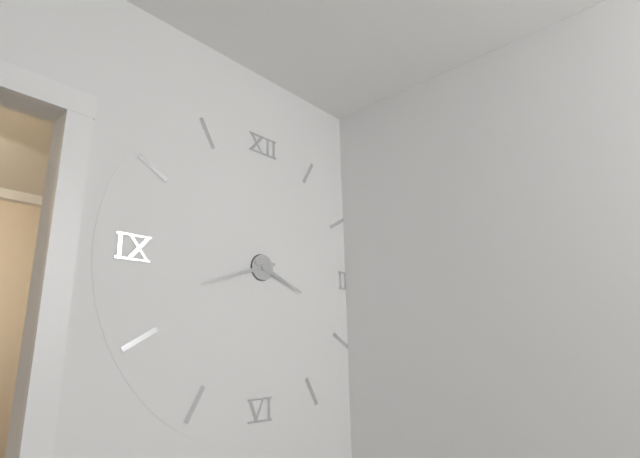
3:42
